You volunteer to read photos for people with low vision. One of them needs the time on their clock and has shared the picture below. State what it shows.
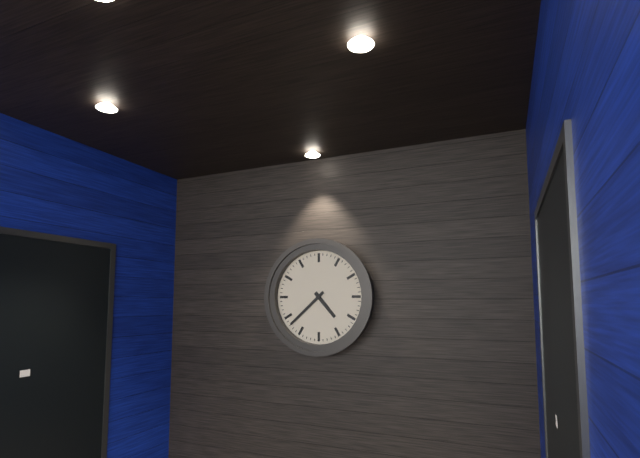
4:38
